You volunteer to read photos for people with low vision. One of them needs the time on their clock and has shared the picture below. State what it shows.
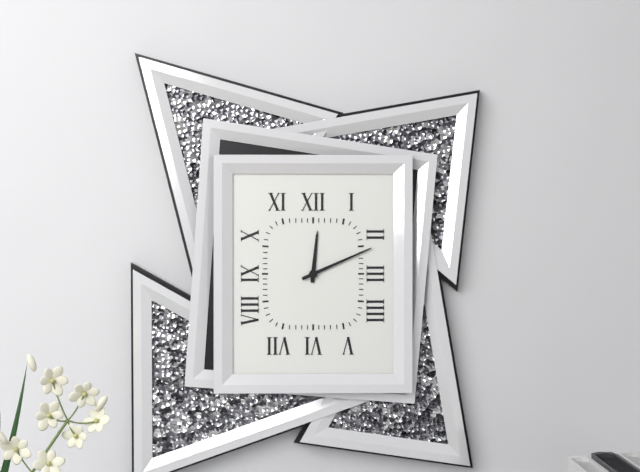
12:11
